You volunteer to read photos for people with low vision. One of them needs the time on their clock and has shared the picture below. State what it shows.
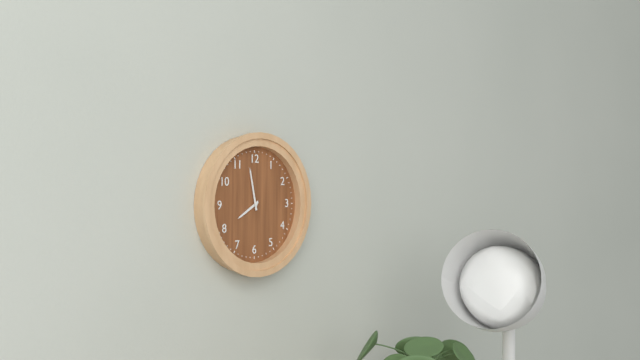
7:58
